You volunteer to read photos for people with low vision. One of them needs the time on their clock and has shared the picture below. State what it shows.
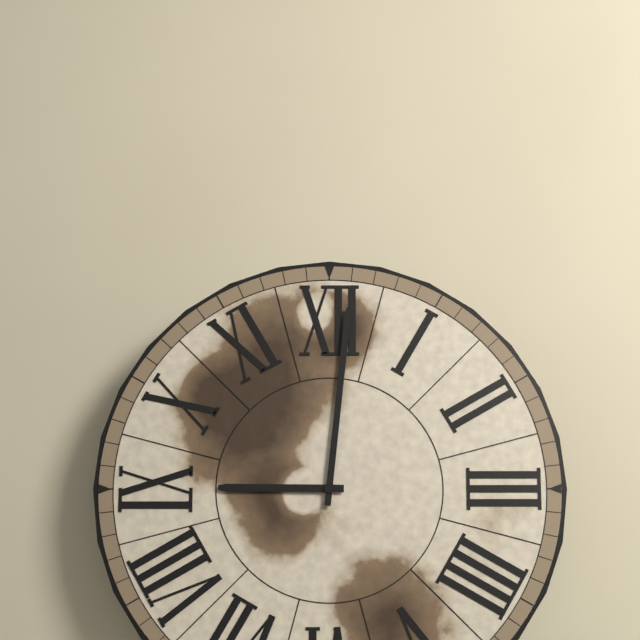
9:01
